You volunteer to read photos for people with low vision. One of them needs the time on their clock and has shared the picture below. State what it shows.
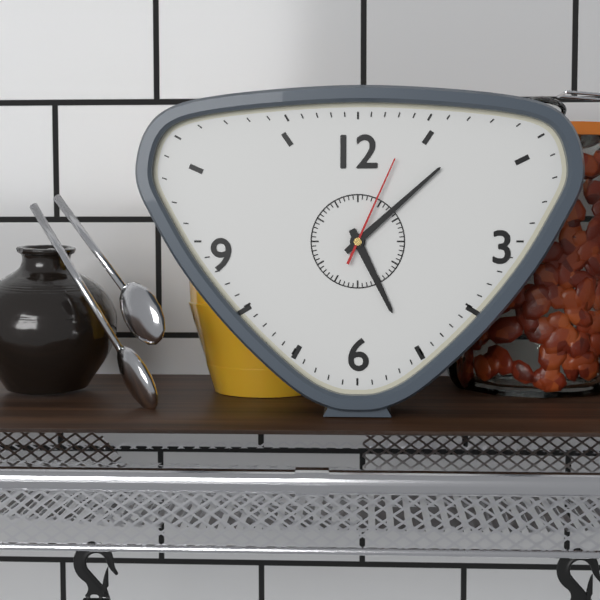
5:08:04
